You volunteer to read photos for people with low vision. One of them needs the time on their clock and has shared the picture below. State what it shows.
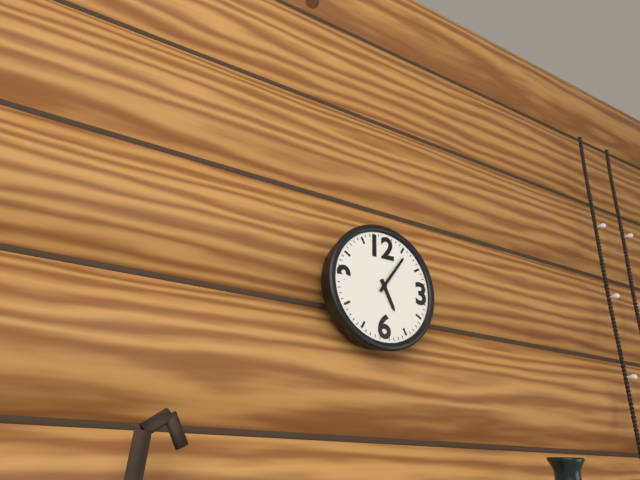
5:06
